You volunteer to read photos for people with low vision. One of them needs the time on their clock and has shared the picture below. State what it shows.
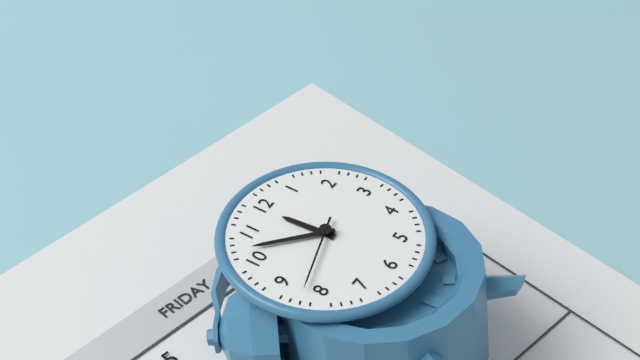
11:52:42
